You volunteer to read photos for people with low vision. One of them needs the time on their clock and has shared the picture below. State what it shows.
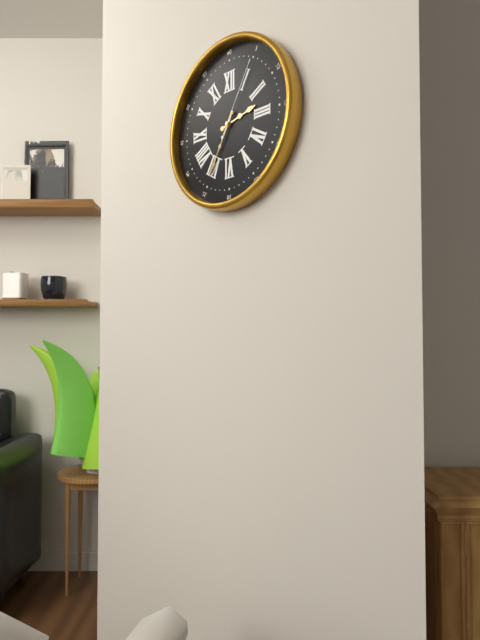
2:35:05
